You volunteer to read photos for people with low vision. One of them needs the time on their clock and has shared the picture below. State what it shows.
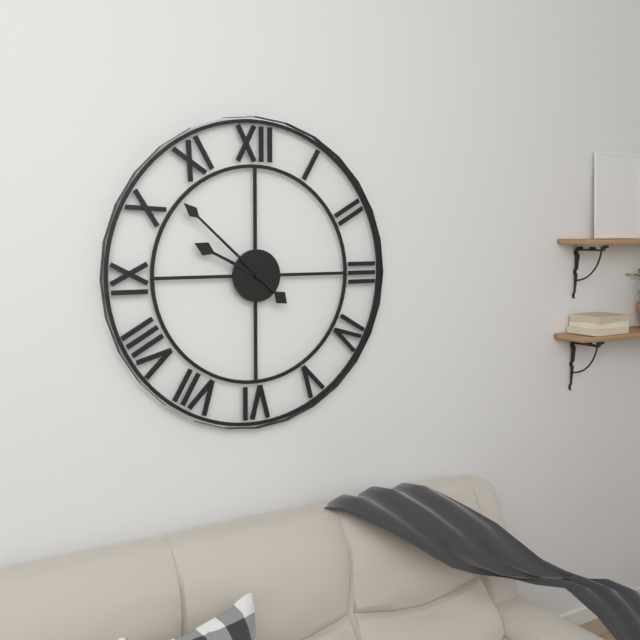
9:52
